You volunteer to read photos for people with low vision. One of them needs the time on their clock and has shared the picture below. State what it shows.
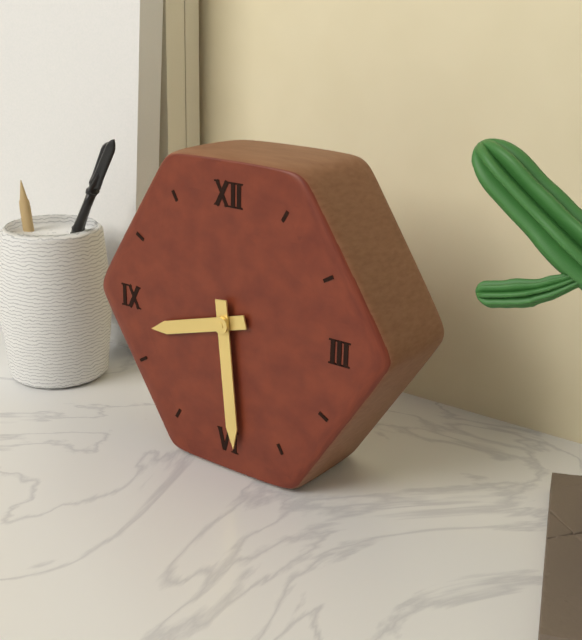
8:29
